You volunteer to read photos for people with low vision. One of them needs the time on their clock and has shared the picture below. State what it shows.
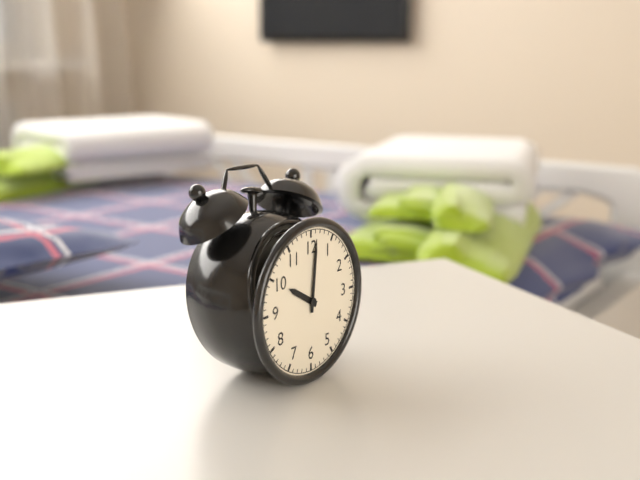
10:01
